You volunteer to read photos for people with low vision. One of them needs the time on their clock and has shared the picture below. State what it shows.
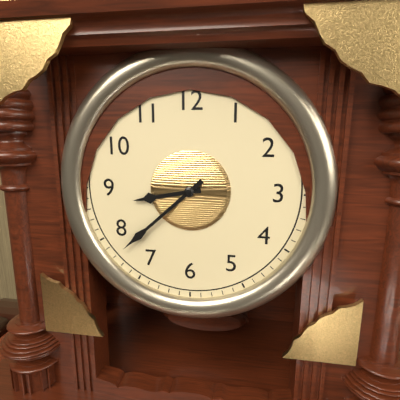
8:38
